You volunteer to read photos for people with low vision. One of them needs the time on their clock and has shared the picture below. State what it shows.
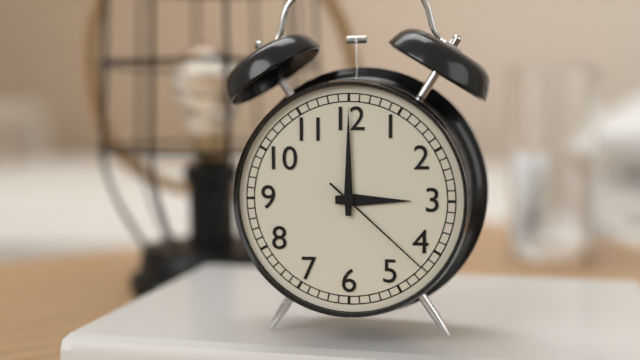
3:00:22
